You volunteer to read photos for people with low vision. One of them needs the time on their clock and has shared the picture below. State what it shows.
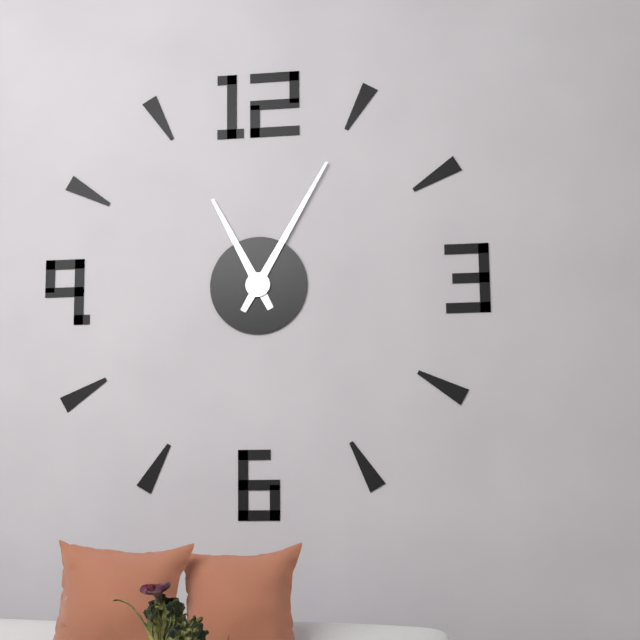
11:05
